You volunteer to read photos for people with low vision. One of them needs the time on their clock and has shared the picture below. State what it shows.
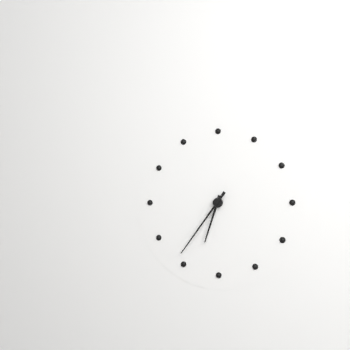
6:36
